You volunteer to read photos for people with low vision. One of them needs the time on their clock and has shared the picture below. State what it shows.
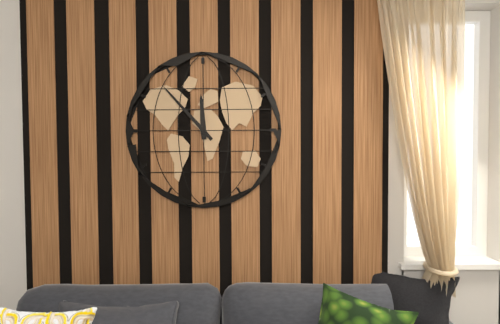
11:53
